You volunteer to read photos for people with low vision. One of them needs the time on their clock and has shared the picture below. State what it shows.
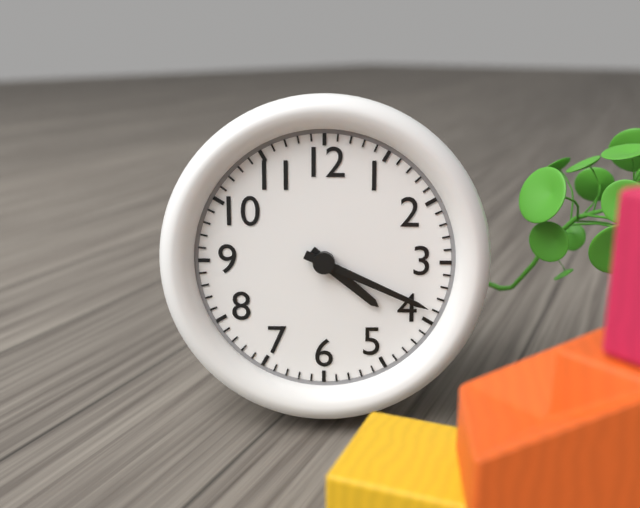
4:19
